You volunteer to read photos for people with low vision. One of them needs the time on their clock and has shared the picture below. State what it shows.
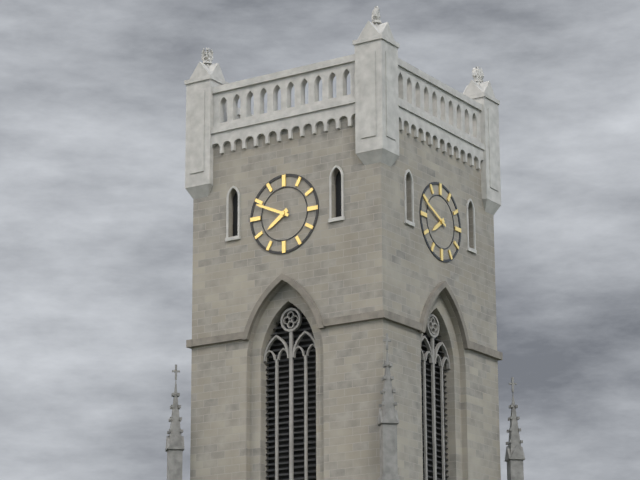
7:49
